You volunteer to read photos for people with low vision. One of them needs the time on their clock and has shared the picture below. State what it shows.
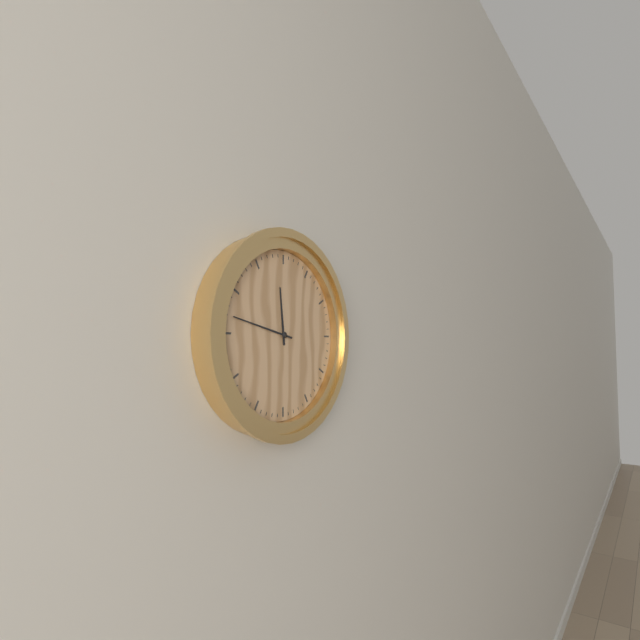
11:47
